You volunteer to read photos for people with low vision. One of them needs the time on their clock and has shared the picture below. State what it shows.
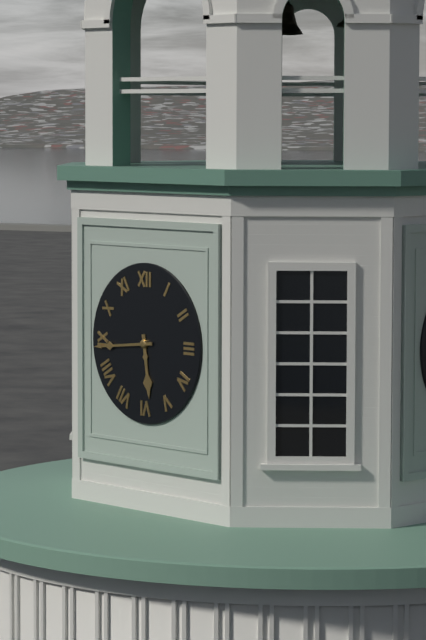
5:44
